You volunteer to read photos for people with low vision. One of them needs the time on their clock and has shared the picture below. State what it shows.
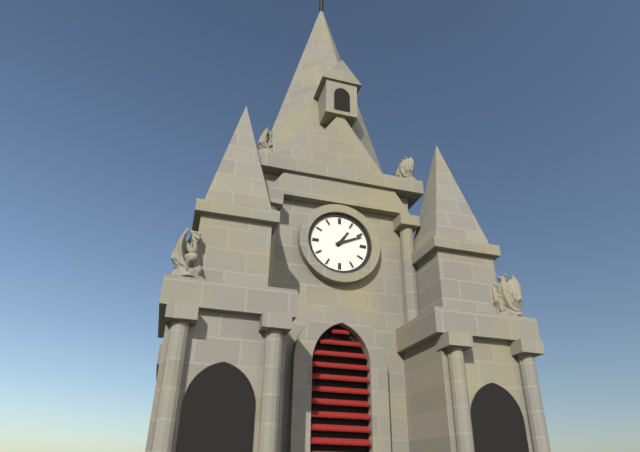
1:11
